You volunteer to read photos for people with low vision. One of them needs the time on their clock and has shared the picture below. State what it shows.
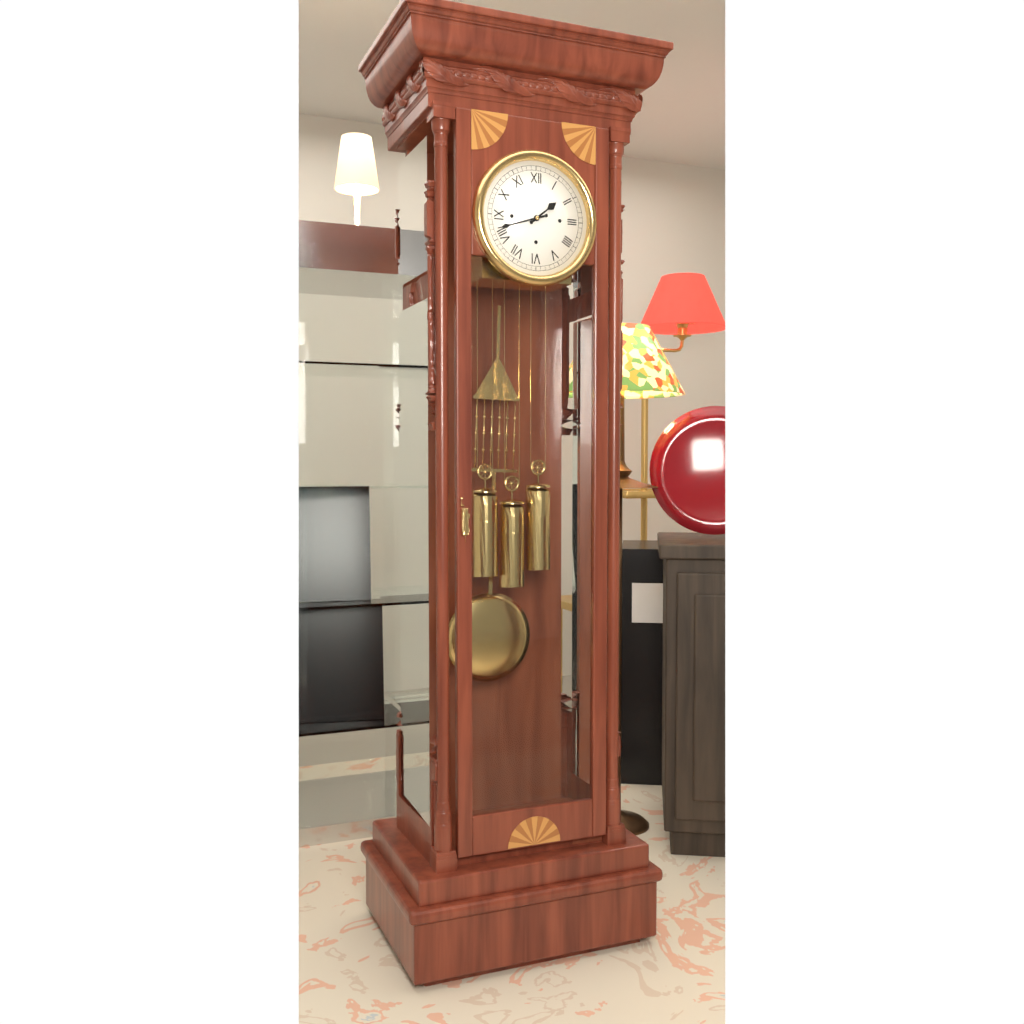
1:42
